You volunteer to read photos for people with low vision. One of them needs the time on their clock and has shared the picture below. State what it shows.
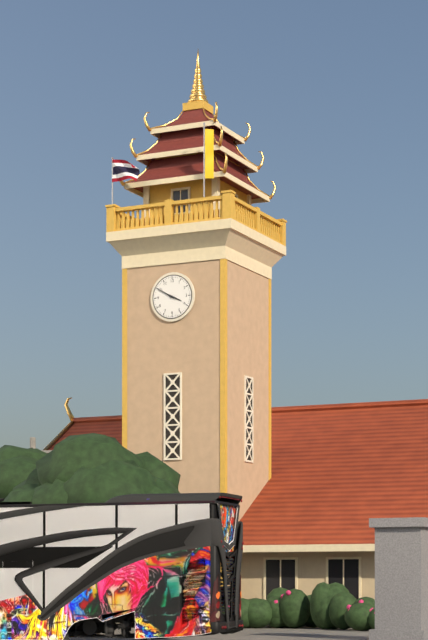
3:50
